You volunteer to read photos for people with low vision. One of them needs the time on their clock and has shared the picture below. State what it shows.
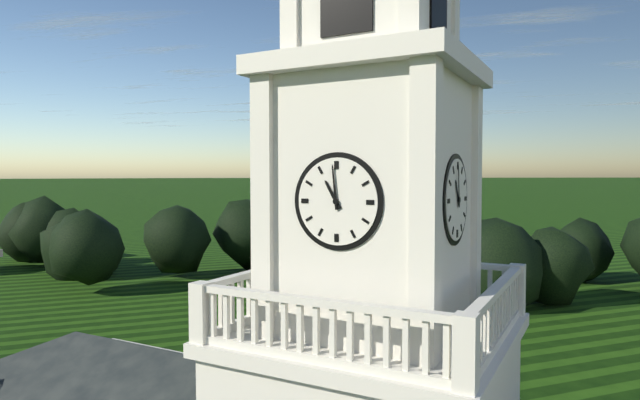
10:59
